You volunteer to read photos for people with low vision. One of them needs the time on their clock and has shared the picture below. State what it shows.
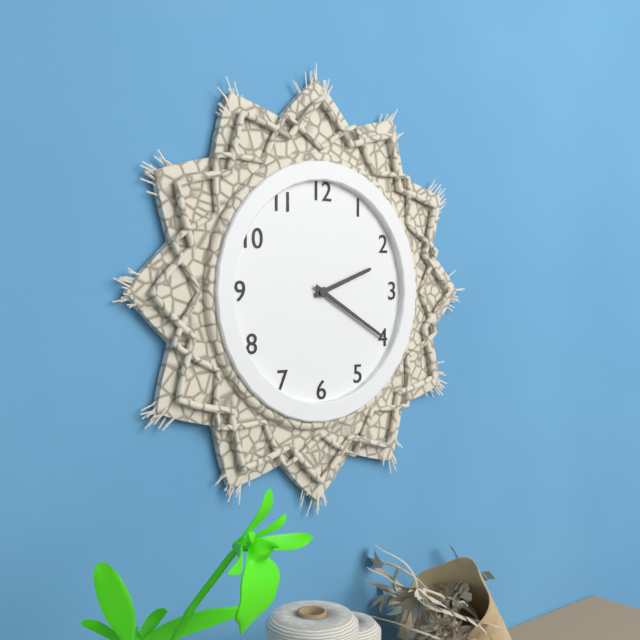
2:20
